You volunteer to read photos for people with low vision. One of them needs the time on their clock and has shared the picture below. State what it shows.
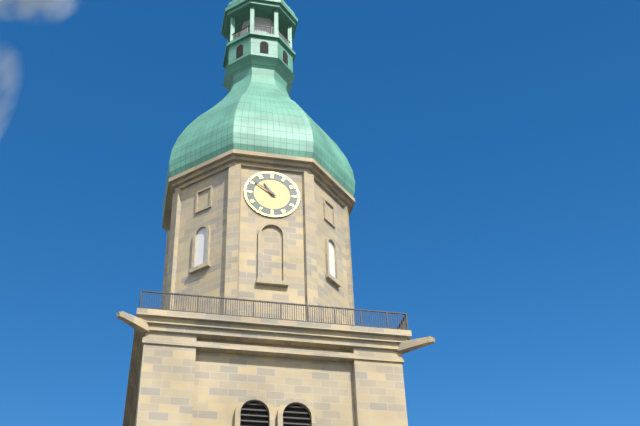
10:51
